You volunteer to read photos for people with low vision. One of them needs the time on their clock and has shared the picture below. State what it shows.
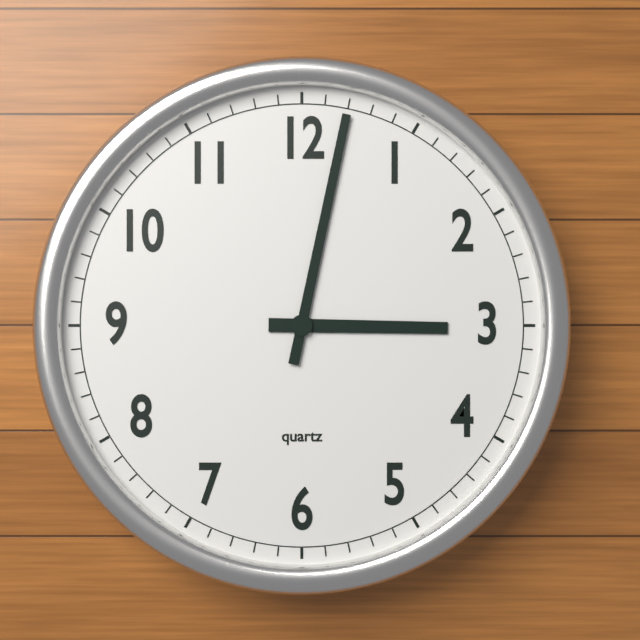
3:02
